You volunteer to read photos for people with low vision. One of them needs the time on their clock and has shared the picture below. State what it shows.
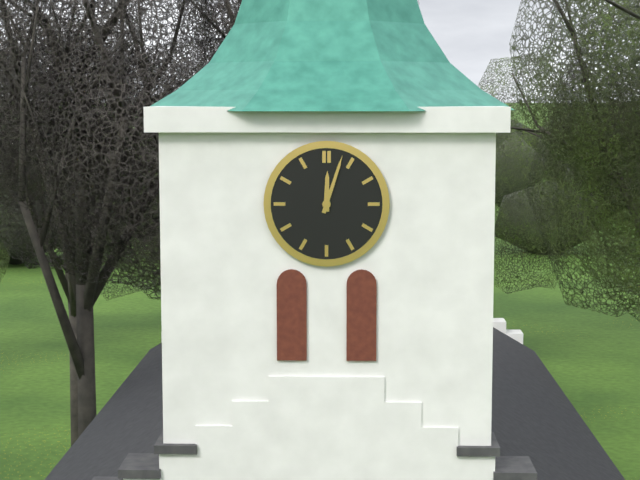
12:03
